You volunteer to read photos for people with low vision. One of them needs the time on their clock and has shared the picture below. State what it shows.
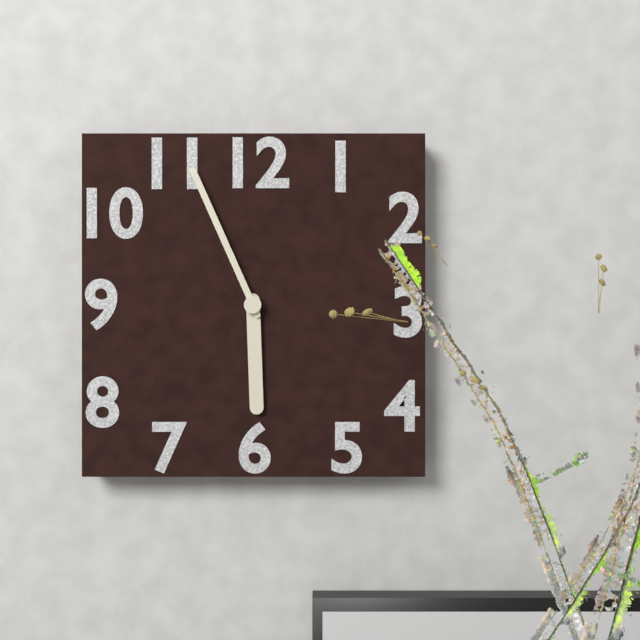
5:56
